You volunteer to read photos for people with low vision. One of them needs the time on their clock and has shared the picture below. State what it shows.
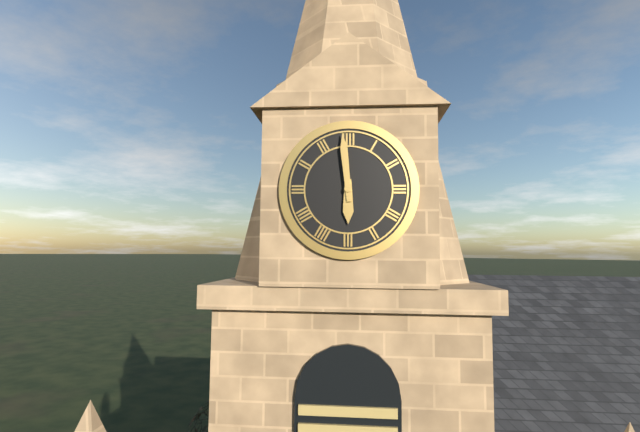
5:59
